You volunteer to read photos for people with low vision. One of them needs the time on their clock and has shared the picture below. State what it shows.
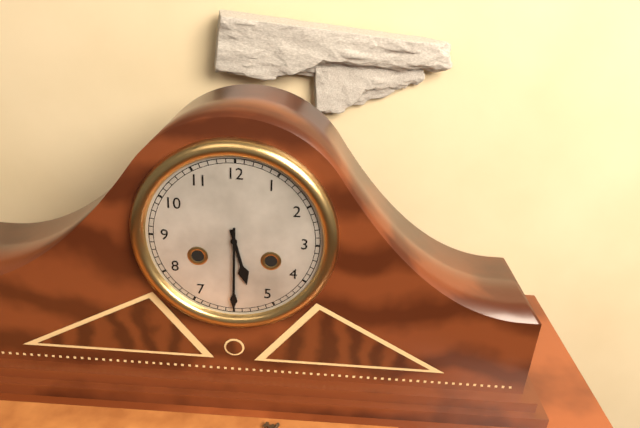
5:30
